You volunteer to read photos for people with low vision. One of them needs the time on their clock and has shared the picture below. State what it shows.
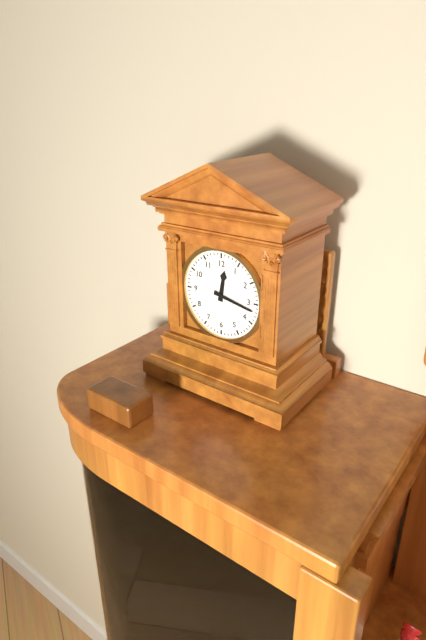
12:17
